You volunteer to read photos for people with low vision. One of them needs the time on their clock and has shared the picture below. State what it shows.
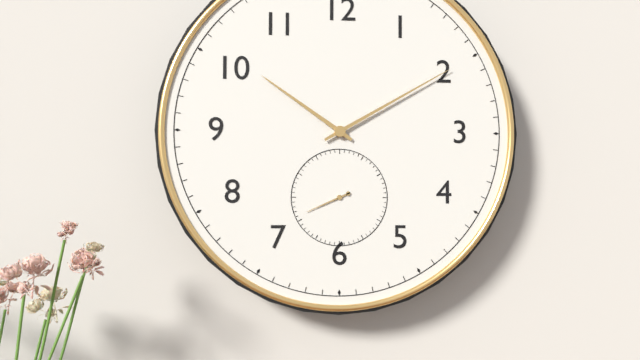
10:10
